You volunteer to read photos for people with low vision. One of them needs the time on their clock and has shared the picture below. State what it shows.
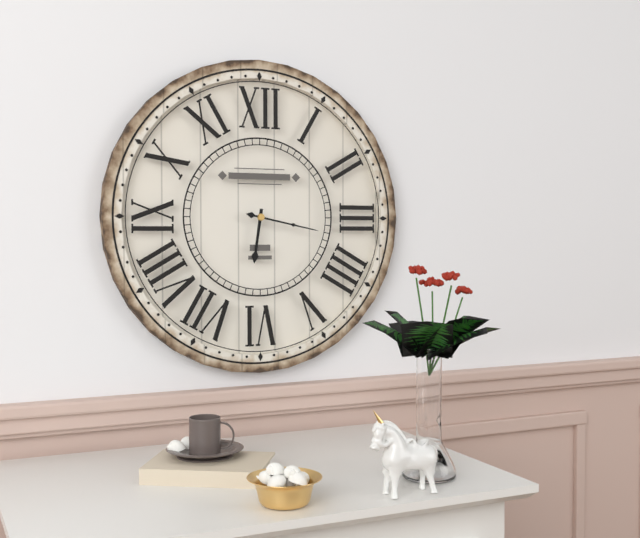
6:17
